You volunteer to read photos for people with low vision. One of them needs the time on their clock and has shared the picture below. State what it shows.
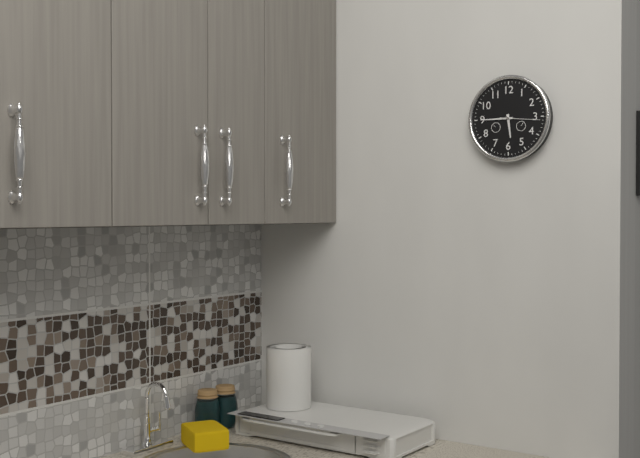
5:45
